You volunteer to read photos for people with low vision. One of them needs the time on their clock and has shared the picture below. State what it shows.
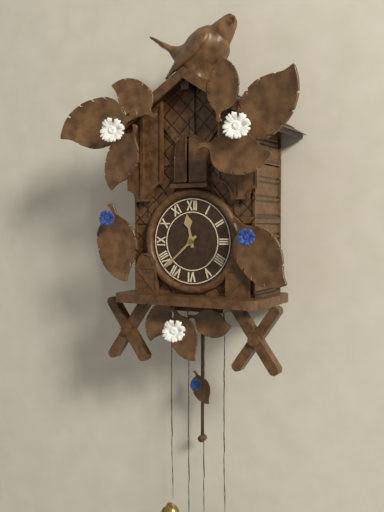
11:38
